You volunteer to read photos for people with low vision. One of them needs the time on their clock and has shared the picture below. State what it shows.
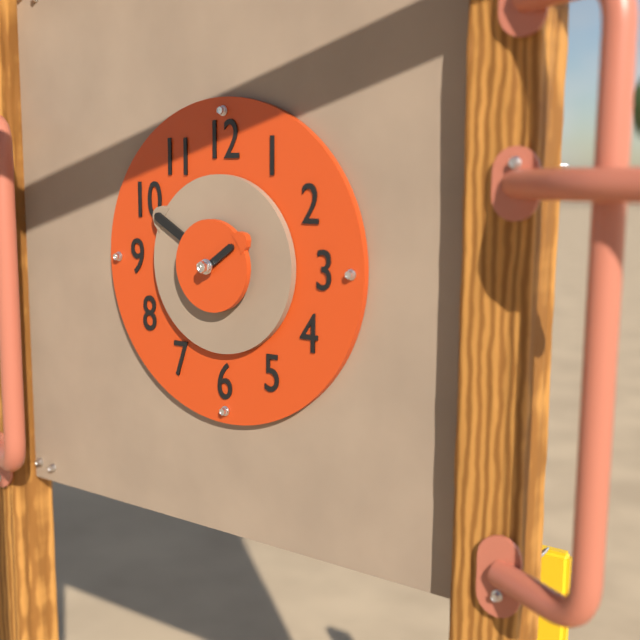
1:50
